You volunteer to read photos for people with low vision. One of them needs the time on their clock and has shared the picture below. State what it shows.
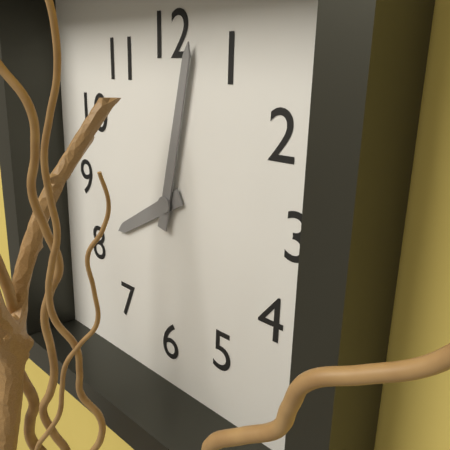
8:02
